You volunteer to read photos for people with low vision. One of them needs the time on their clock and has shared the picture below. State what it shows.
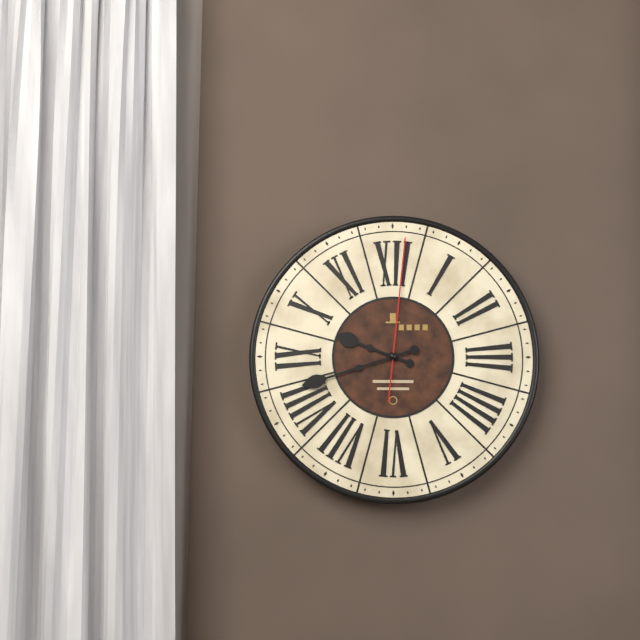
9:42:01
